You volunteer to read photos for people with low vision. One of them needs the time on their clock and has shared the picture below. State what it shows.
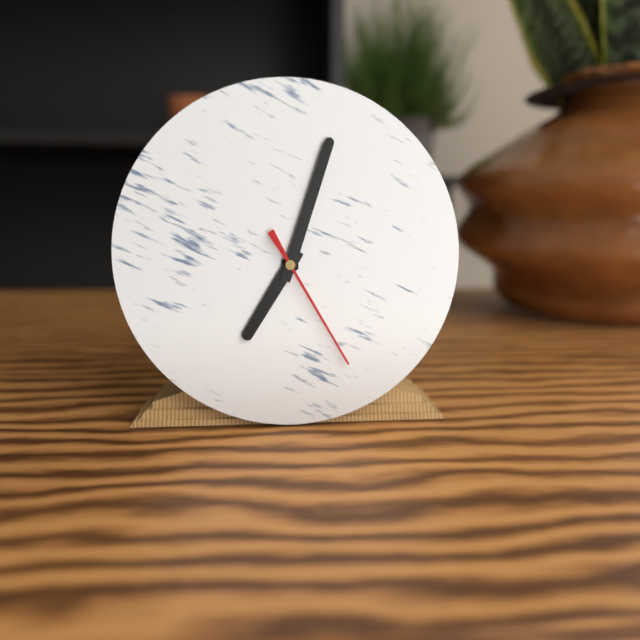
7:03:25
